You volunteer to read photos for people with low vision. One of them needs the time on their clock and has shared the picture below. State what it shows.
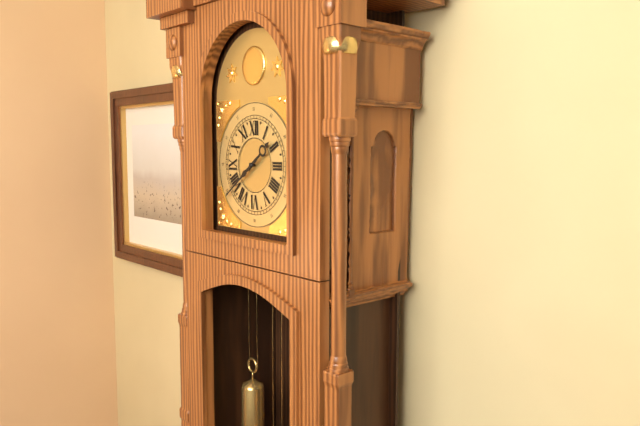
1:39
